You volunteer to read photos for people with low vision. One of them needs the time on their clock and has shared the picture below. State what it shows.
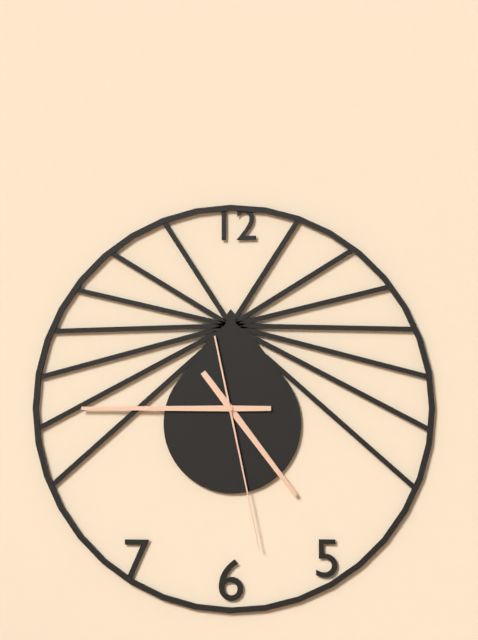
4:45:28
